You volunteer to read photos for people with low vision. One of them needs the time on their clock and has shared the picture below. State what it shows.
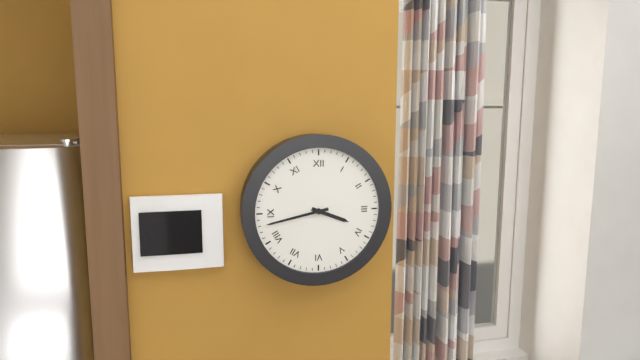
3:43
